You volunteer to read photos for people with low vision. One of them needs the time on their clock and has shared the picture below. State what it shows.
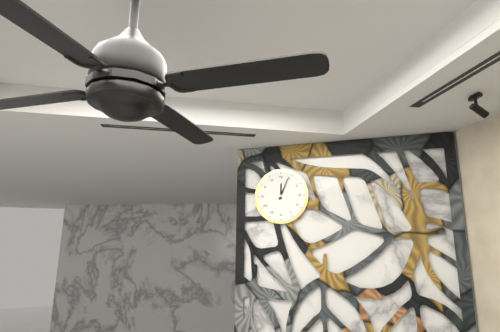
12:04
